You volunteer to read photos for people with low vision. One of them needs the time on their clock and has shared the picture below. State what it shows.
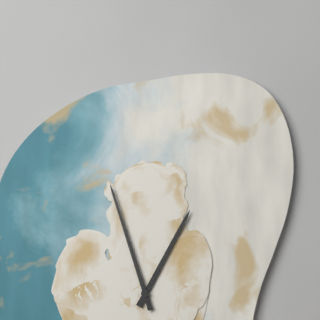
12:57
